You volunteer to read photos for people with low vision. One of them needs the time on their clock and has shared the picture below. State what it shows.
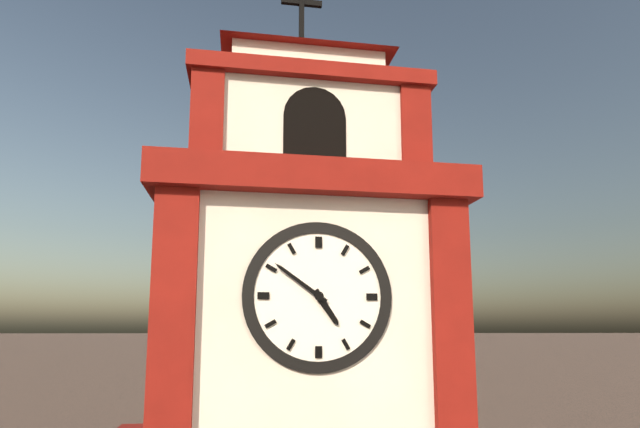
4:51
